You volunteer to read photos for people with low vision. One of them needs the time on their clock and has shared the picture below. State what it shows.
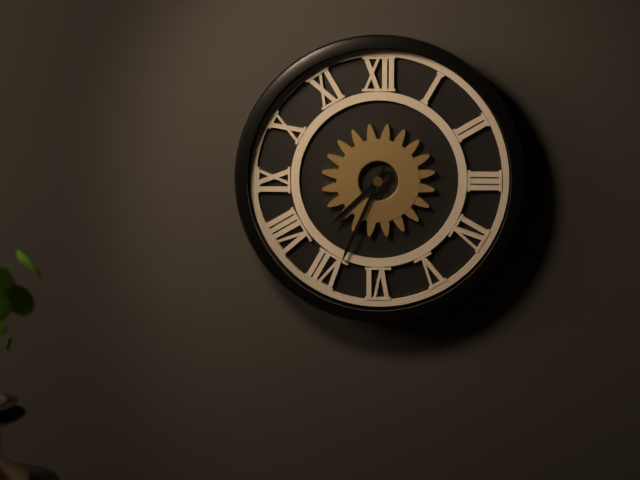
7:34
